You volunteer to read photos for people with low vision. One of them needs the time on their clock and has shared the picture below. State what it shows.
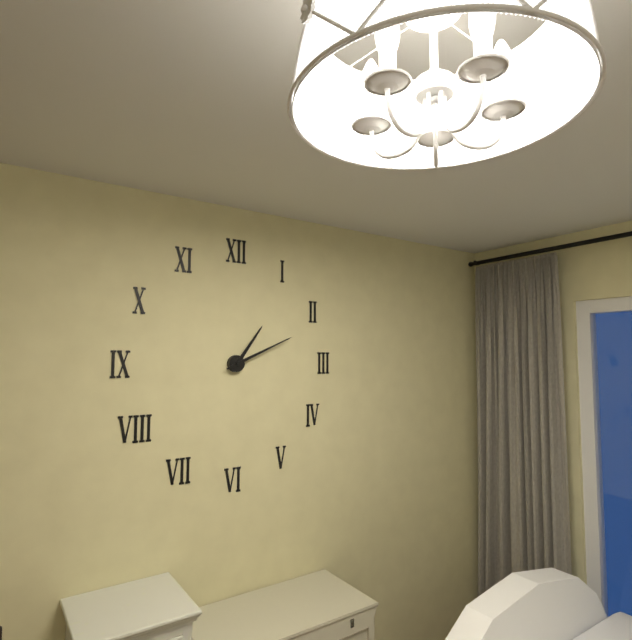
1:11
